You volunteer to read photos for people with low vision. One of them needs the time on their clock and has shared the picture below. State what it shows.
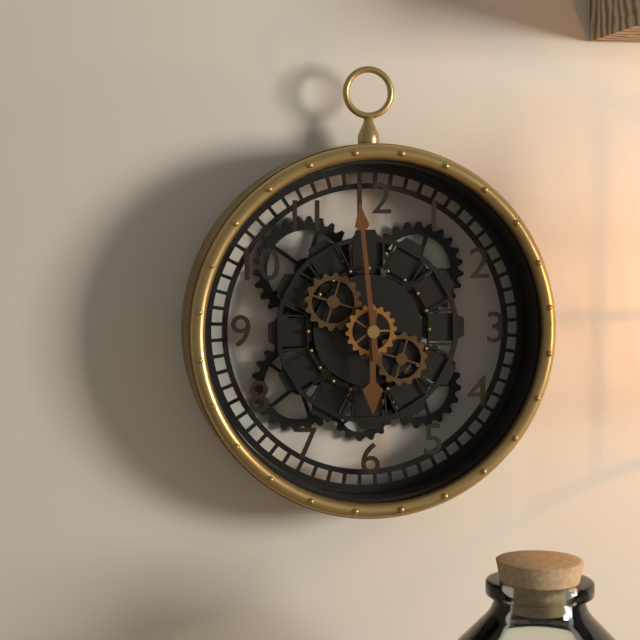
5:59
